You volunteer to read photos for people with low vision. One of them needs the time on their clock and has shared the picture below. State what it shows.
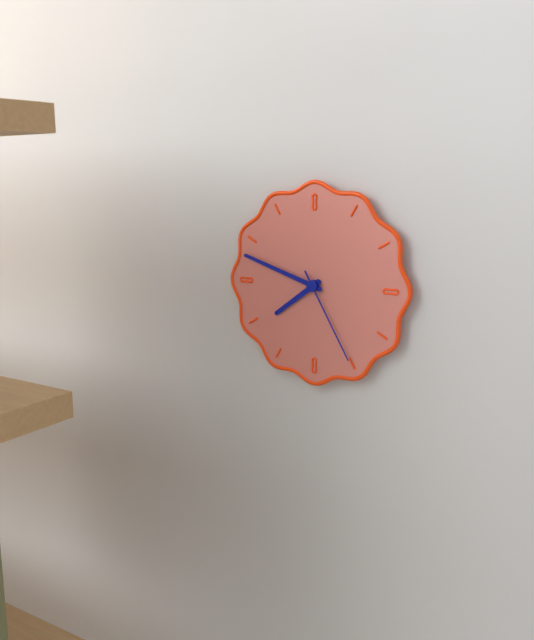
7:48:25
